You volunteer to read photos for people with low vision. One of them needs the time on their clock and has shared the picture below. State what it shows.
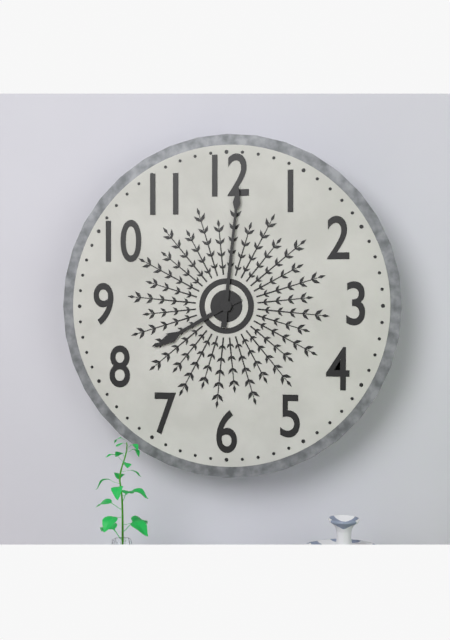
8:01
